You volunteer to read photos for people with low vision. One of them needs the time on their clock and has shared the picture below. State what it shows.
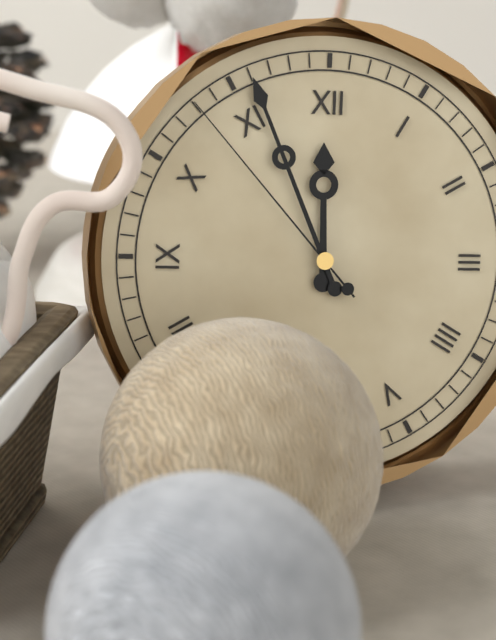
11:56:53
